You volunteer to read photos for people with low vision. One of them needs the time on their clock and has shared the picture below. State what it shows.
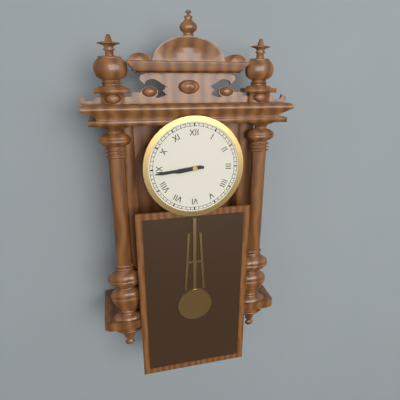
8:44
